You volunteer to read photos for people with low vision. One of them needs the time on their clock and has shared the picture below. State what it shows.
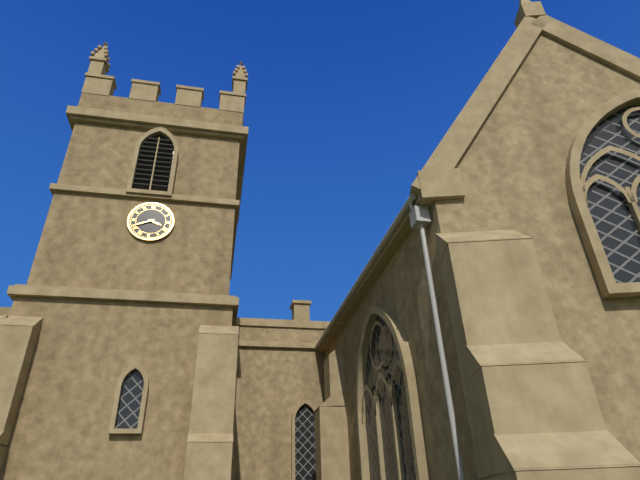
3:41
